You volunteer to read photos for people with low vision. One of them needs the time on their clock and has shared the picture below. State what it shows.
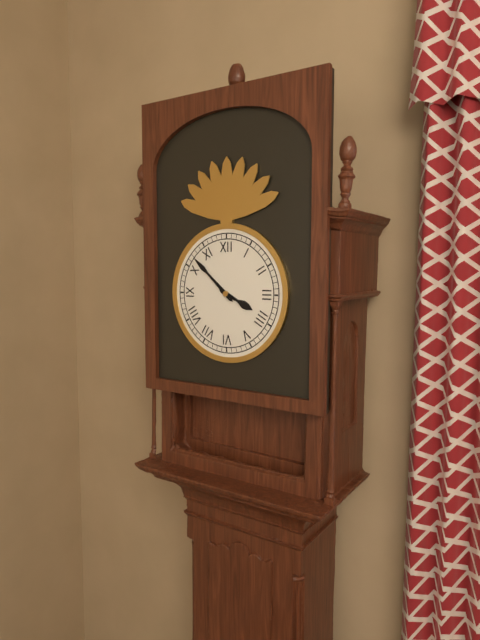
3:52
